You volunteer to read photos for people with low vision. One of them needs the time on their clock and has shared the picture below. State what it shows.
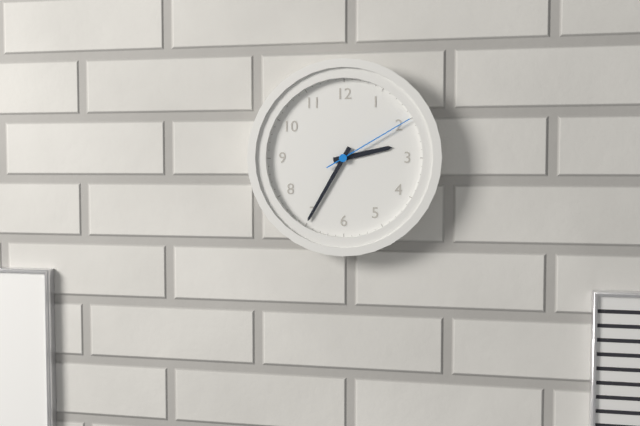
2:35:10
